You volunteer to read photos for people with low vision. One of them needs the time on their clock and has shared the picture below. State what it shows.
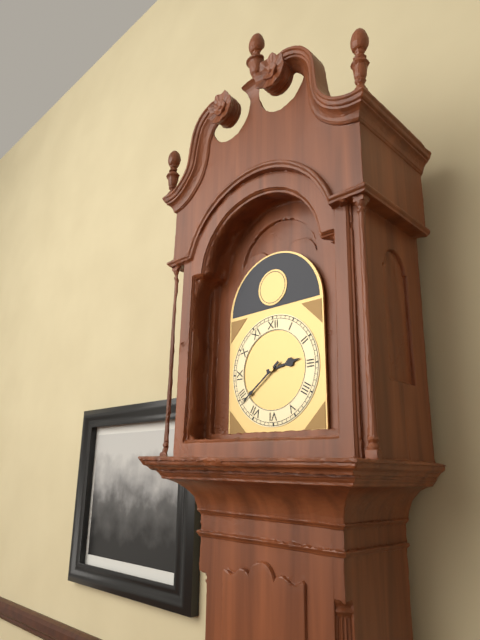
2:39
